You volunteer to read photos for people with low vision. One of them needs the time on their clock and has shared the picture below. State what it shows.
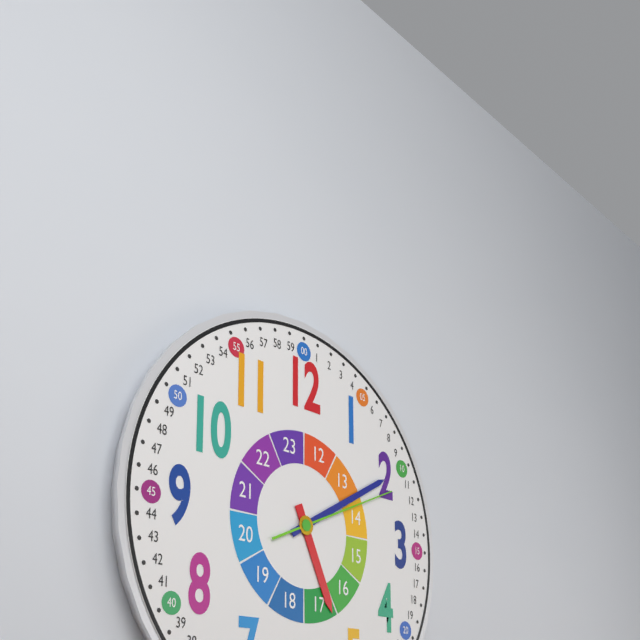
5:10:11
